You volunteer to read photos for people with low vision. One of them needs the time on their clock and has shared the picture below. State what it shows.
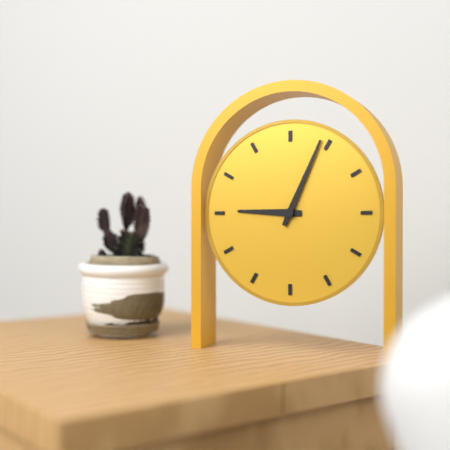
9:04
